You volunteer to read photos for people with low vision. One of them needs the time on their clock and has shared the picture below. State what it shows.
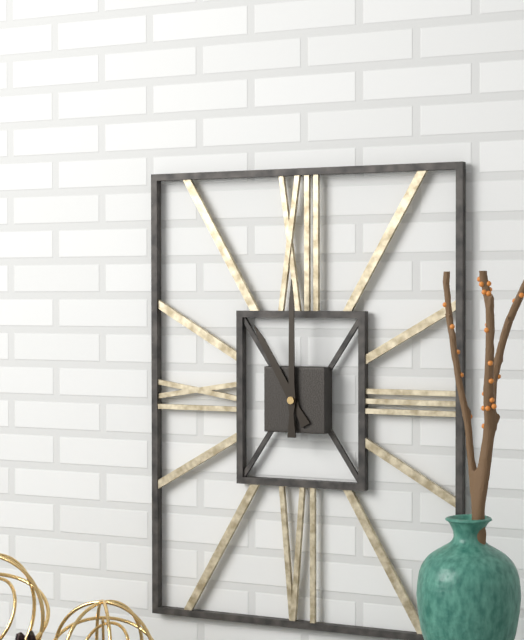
11:00
